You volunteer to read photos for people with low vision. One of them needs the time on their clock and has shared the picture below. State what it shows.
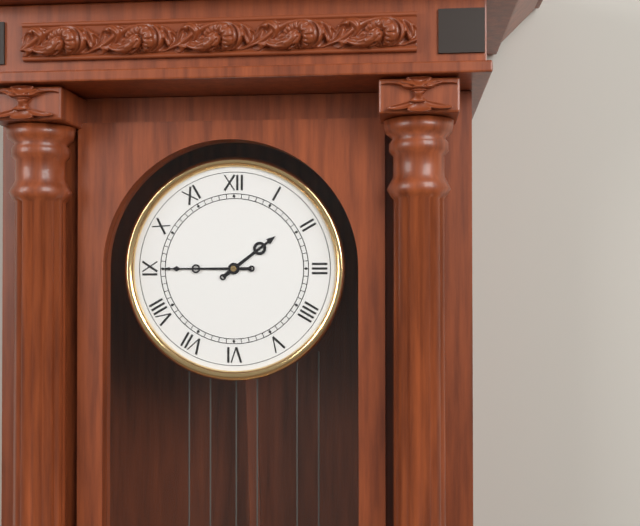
1:45
